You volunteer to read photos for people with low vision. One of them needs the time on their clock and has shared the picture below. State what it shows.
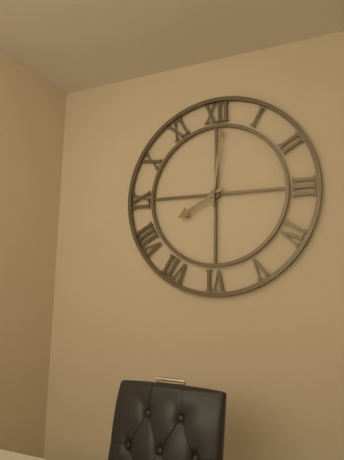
8:01
